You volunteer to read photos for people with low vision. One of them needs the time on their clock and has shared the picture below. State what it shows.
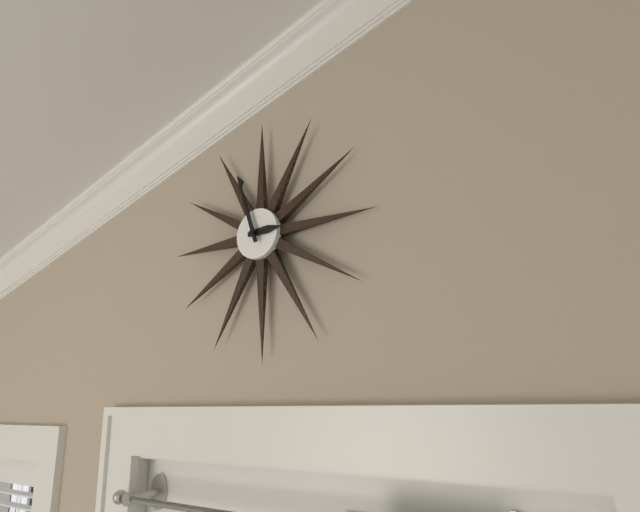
2:57
